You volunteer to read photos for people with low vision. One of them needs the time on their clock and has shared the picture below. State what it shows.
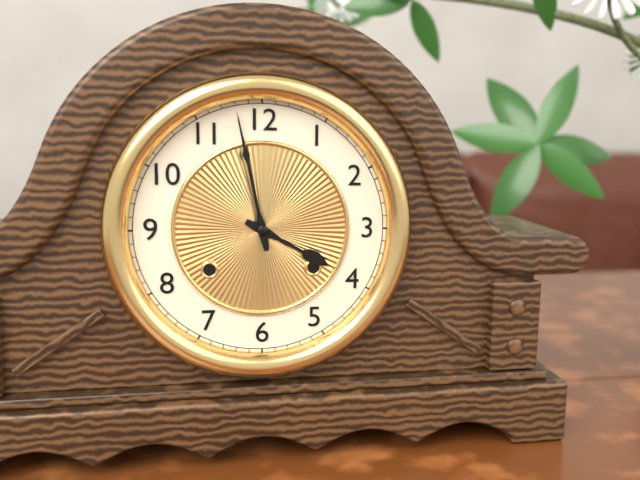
3:58
